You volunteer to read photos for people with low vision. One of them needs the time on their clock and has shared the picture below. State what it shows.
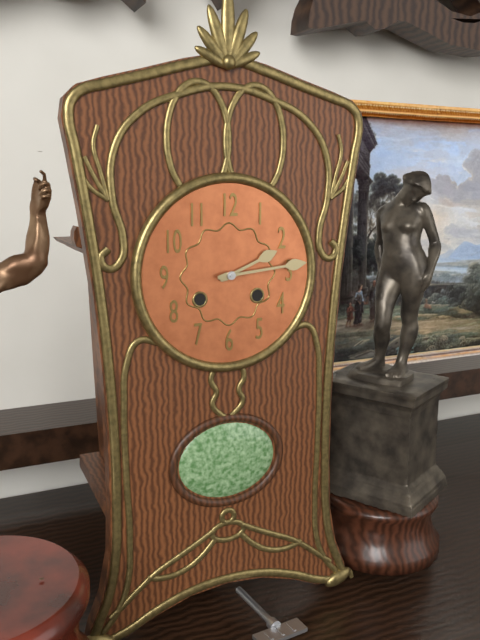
2:14
